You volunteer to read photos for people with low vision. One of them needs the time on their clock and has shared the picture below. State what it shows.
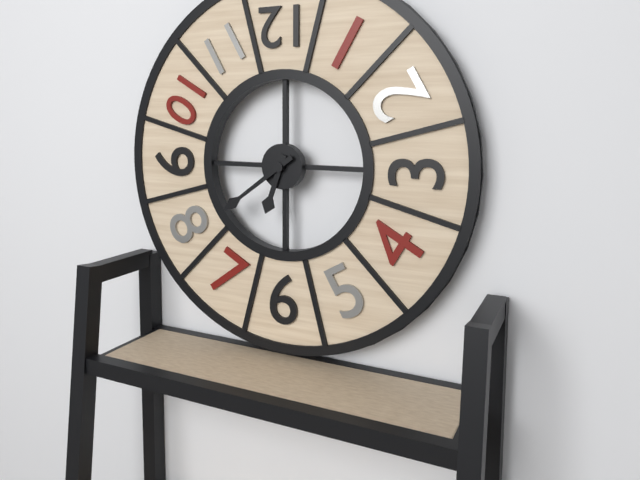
6:39
